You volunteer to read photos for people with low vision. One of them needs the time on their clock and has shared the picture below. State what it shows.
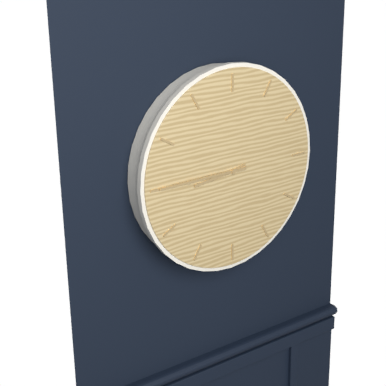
8:45
